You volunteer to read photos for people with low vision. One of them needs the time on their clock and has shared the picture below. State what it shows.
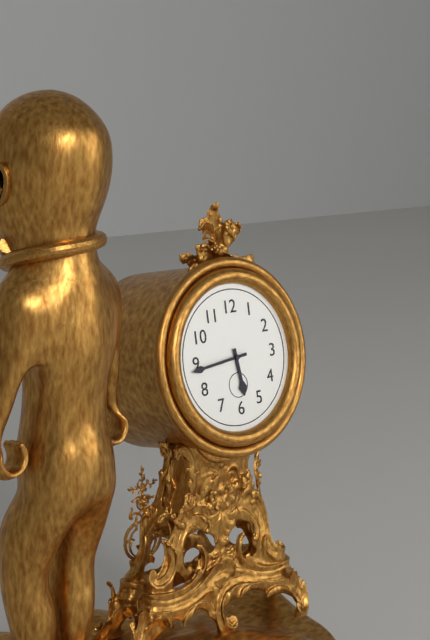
5:44
